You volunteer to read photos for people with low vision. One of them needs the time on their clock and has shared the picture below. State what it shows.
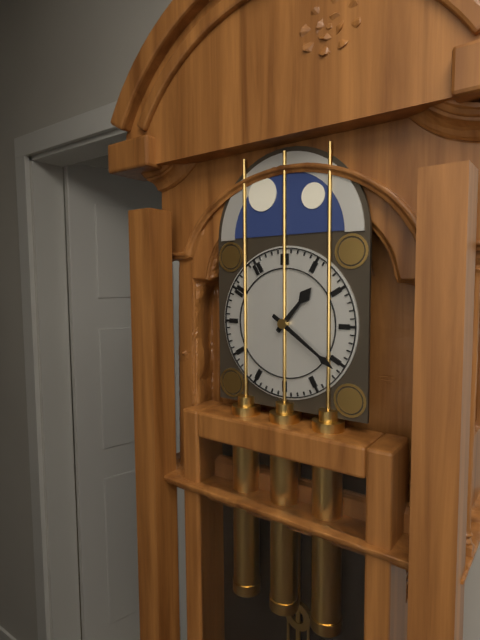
1:21
